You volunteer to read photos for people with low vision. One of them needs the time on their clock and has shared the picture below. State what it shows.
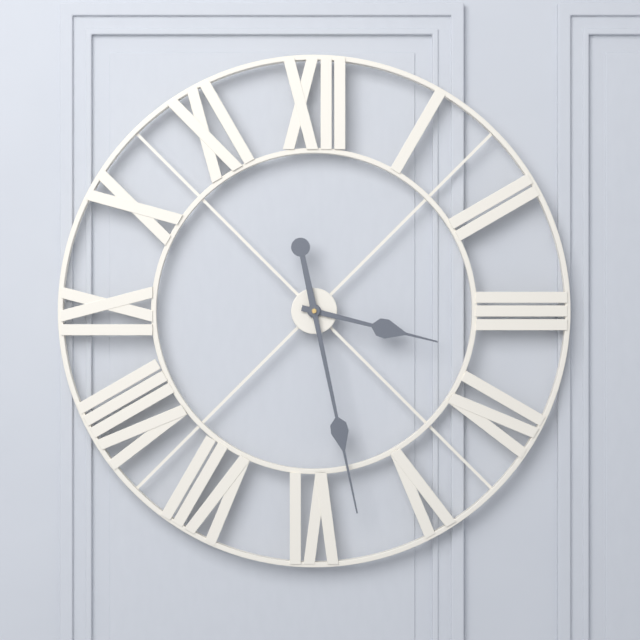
3:28
